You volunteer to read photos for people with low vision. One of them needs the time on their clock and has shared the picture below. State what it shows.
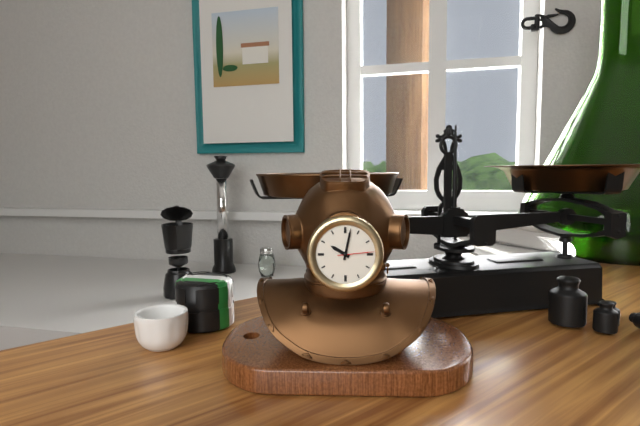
10:02
